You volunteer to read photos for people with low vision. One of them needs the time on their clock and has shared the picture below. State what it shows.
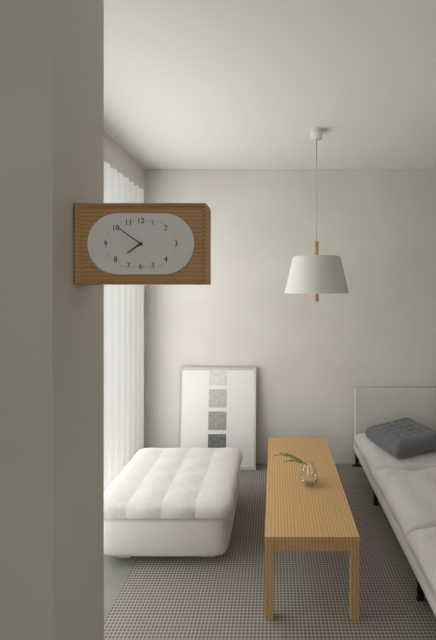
7:51
